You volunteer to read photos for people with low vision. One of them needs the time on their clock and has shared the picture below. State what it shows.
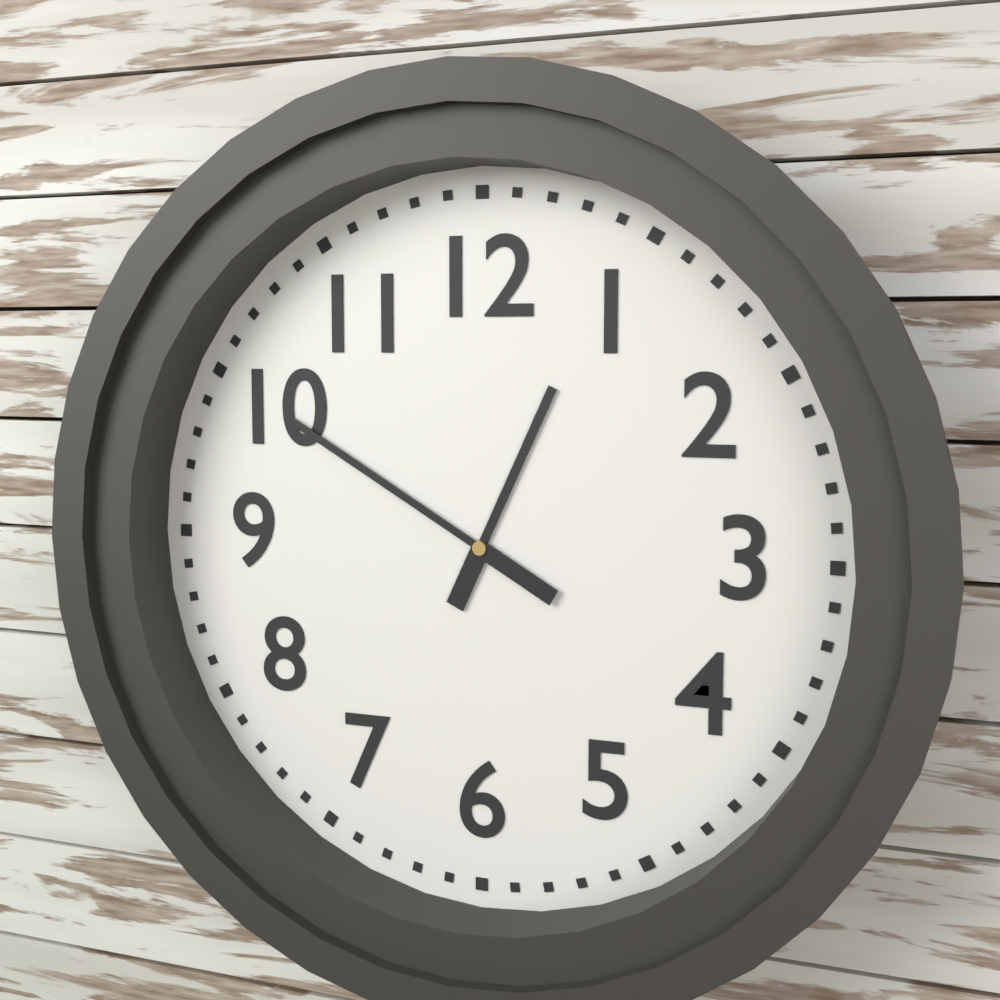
12:50
